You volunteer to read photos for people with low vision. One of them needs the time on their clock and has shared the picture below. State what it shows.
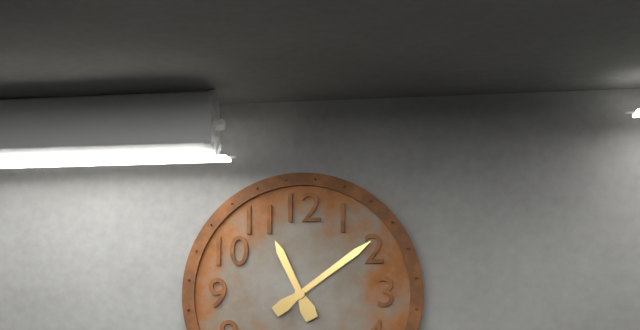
11:09
